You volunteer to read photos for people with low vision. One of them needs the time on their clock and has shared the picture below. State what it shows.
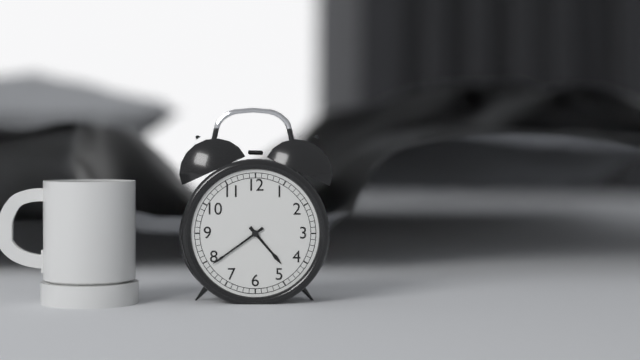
4:39
